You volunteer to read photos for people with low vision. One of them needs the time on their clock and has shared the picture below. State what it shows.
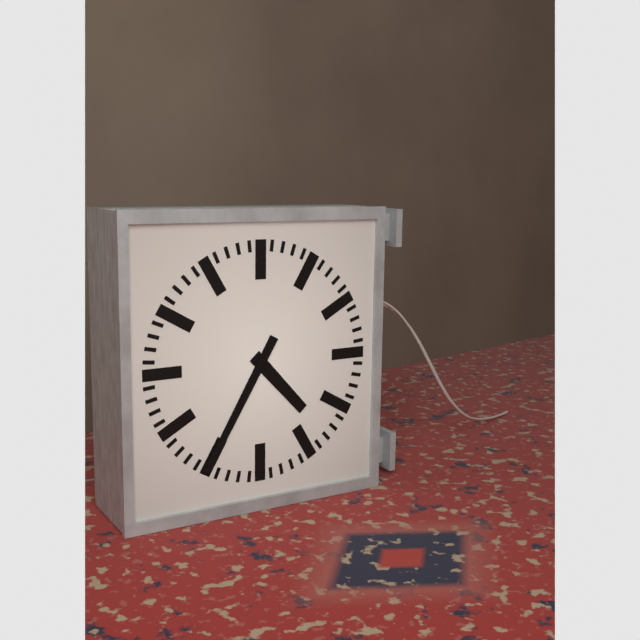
4:35
